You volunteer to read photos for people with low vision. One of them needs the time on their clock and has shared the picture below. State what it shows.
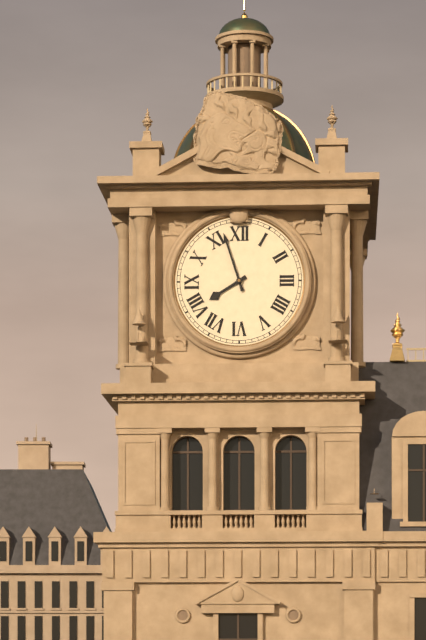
7:57
